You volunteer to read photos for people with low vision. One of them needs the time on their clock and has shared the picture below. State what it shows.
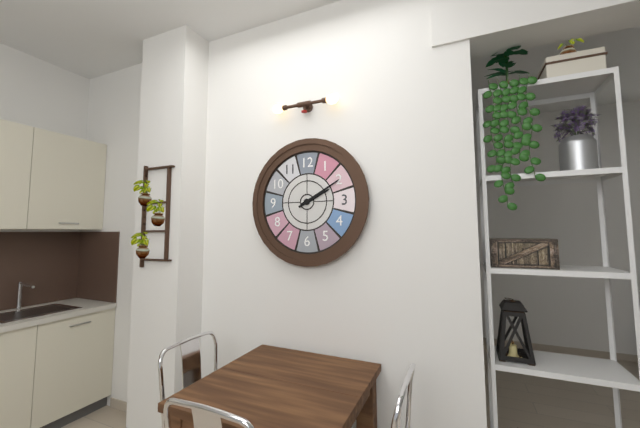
2:10
